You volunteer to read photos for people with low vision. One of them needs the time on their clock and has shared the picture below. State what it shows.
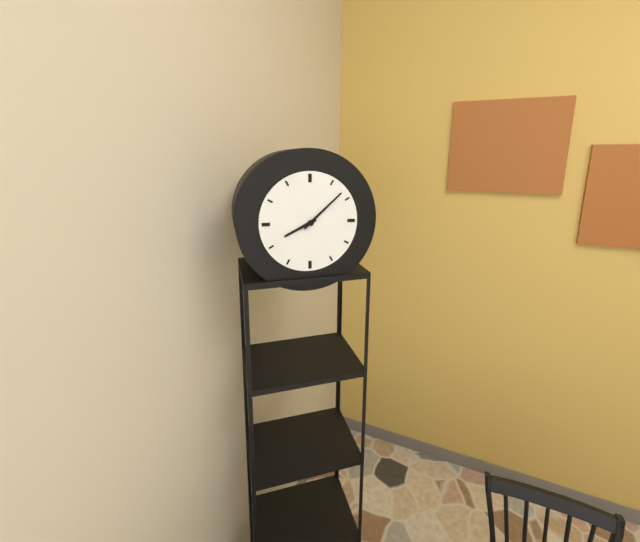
8:08
